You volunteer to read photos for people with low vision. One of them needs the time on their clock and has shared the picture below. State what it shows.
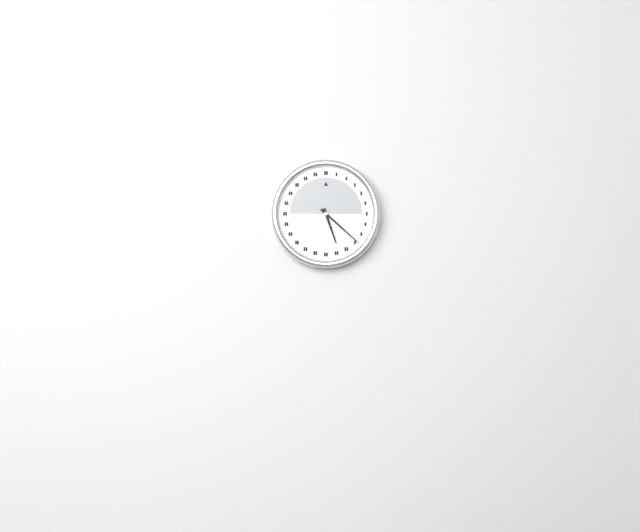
5:22
